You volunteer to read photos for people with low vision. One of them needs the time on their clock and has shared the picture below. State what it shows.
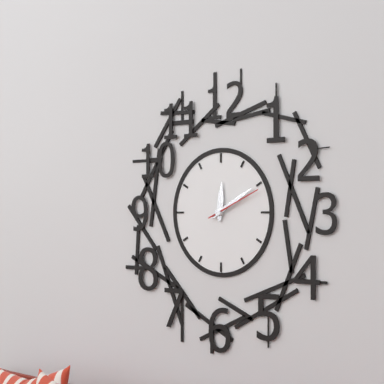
12:10:11
